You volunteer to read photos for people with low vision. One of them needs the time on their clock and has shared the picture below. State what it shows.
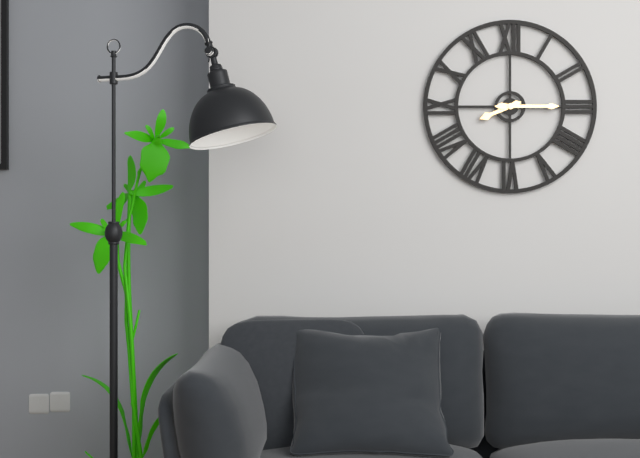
8:15
